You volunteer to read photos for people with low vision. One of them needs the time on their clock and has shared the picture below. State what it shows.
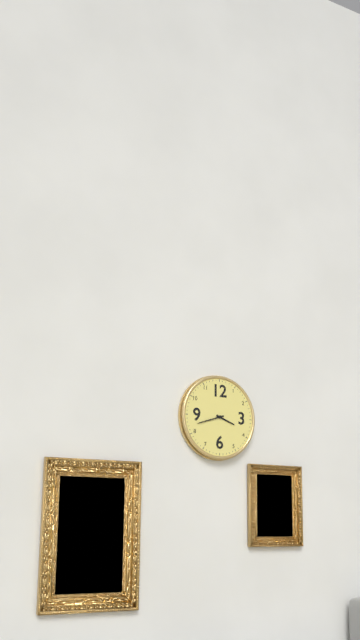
3:42
